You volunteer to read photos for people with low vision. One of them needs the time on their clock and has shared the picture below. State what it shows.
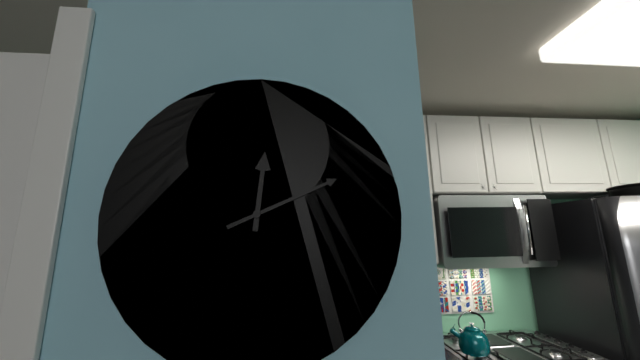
12:11
